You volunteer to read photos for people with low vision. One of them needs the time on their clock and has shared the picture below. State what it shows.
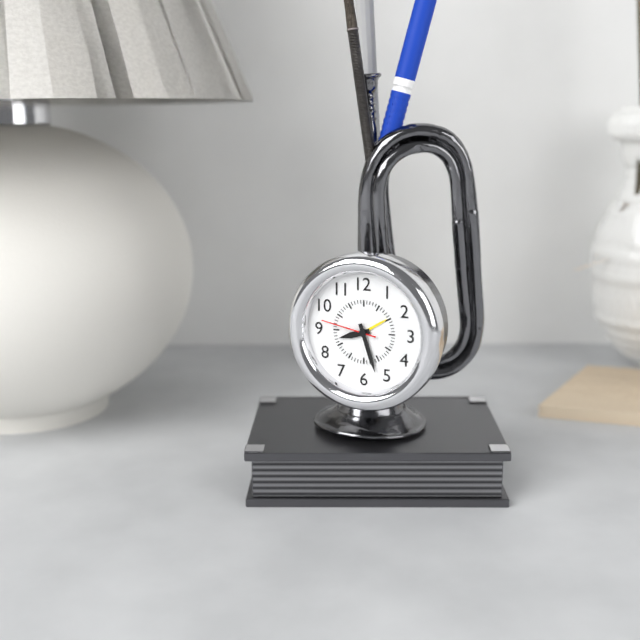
8:27:47
